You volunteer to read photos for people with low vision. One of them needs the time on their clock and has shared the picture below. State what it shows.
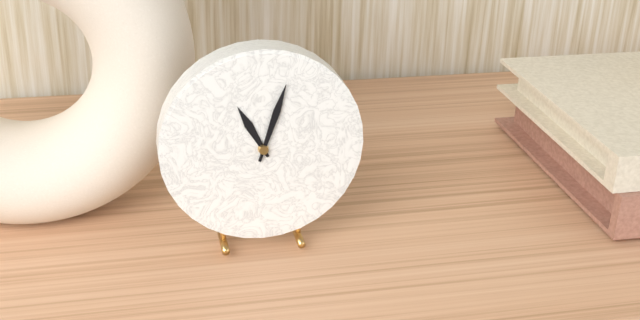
11:03
